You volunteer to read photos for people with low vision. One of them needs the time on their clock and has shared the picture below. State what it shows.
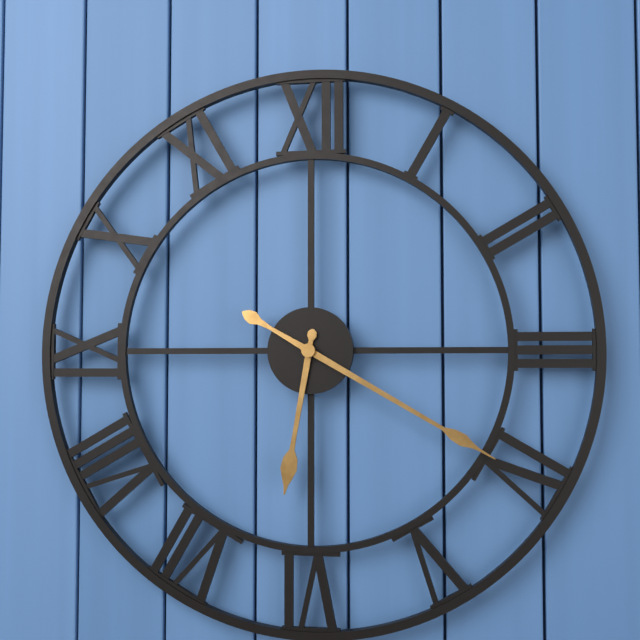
6:20
